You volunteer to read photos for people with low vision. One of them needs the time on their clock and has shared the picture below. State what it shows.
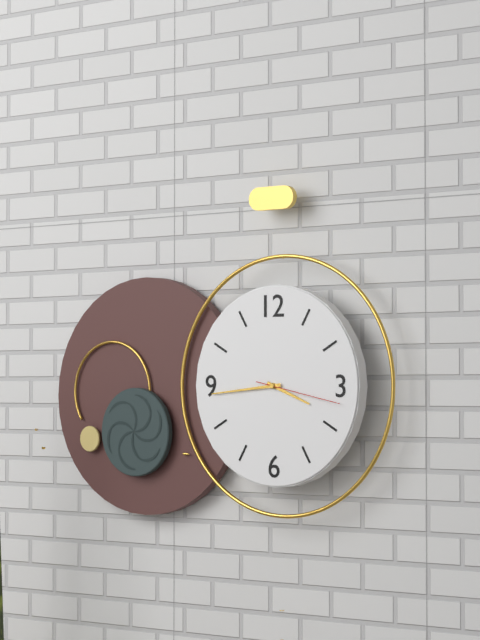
3:44:17
